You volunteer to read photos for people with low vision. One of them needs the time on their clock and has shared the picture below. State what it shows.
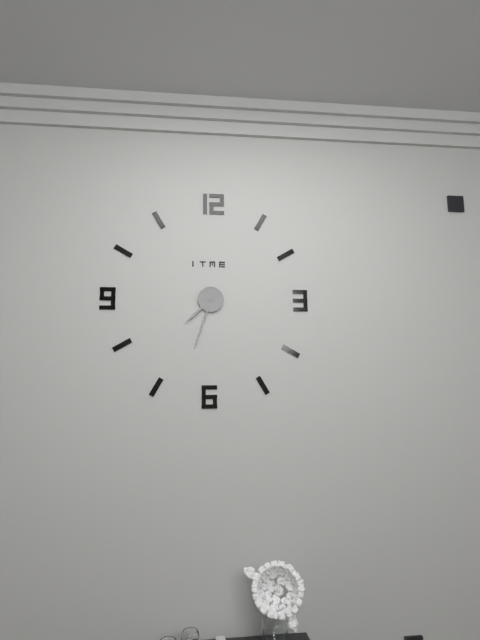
7:33
